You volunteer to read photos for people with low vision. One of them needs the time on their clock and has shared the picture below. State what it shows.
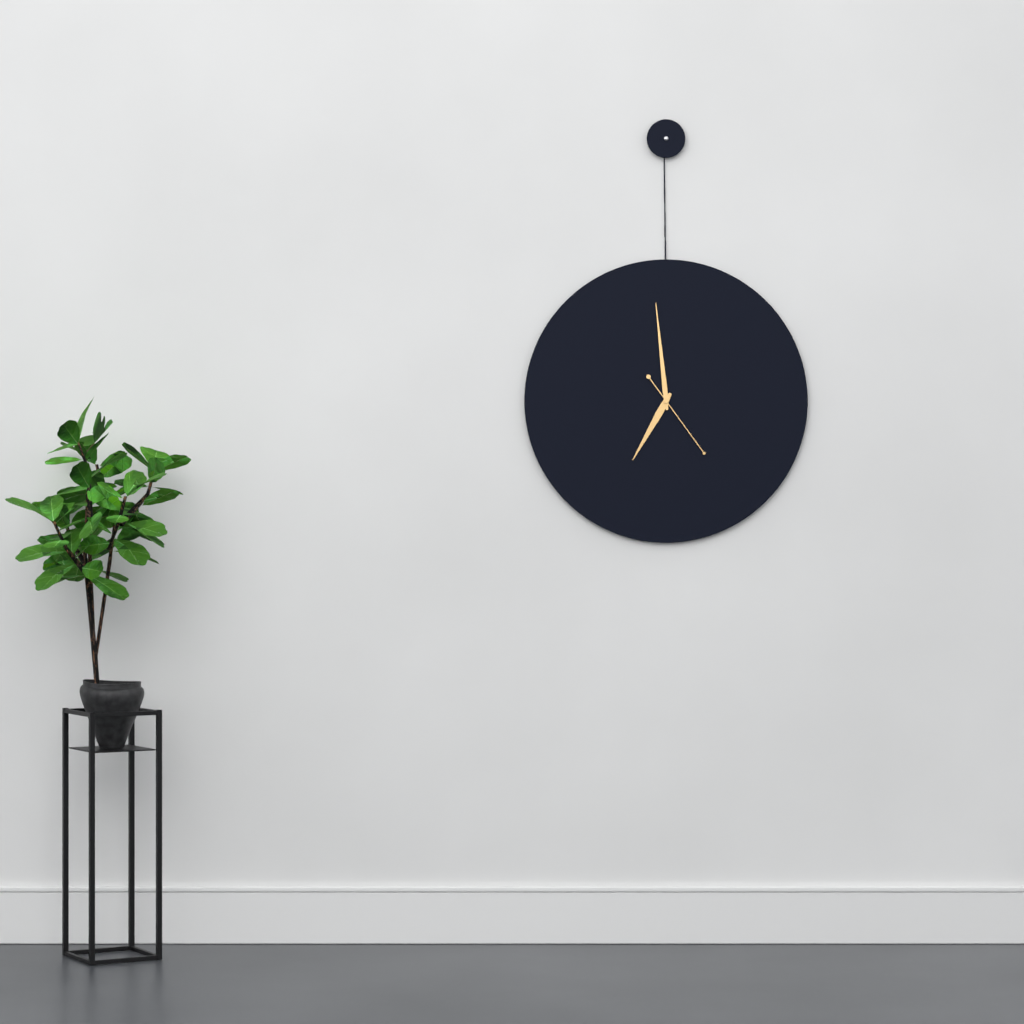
6:59:24
